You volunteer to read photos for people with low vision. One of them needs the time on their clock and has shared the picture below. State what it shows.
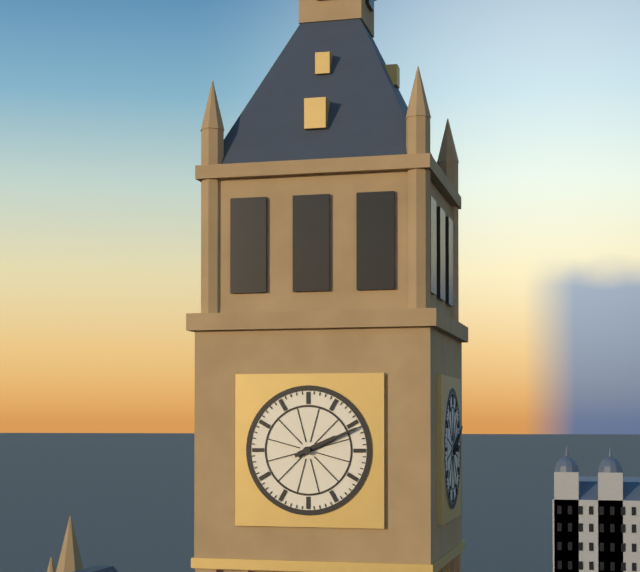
2:11
